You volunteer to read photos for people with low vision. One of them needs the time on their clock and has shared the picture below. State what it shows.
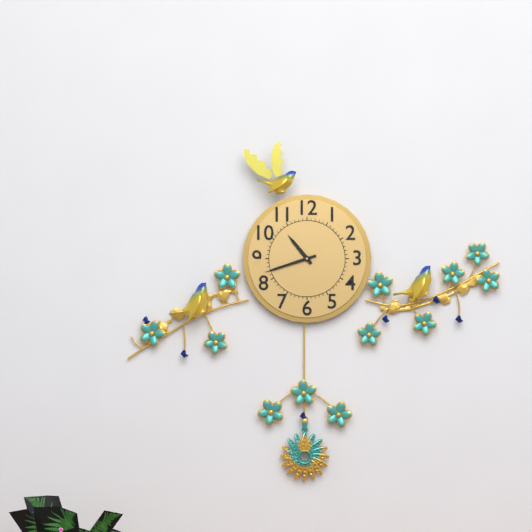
10:42
